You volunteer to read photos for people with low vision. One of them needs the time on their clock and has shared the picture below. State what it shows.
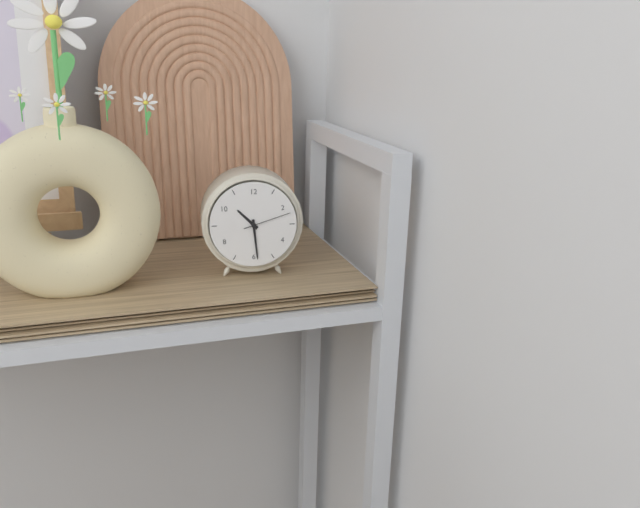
10:29
